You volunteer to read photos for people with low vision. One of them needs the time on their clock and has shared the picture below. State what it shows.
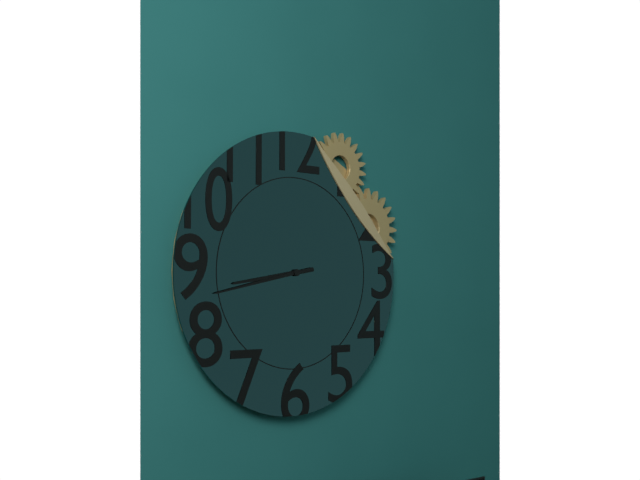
8:43
